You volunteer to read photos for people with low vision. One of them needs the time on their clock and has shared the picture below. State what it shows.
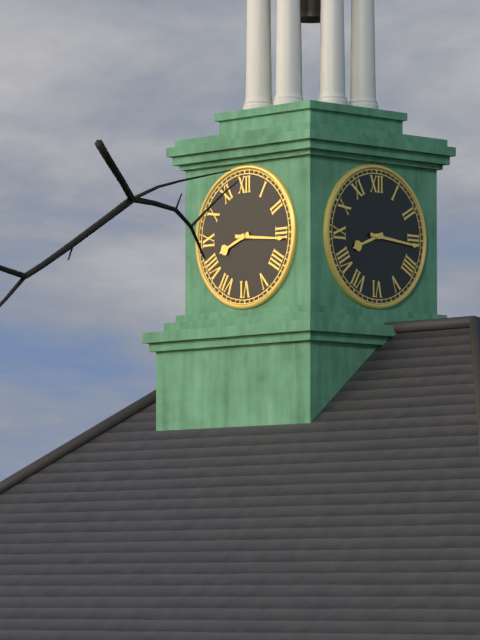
8:16
